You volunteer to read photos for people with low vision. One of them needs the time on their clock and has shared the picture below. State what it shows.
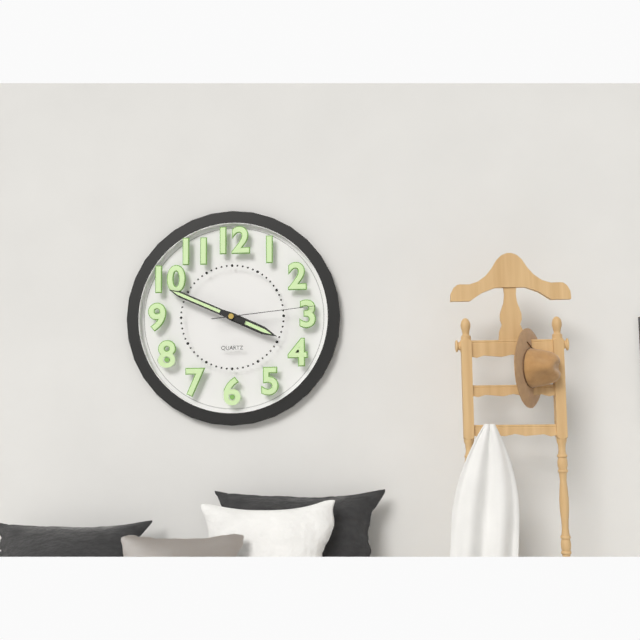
3:49:14
